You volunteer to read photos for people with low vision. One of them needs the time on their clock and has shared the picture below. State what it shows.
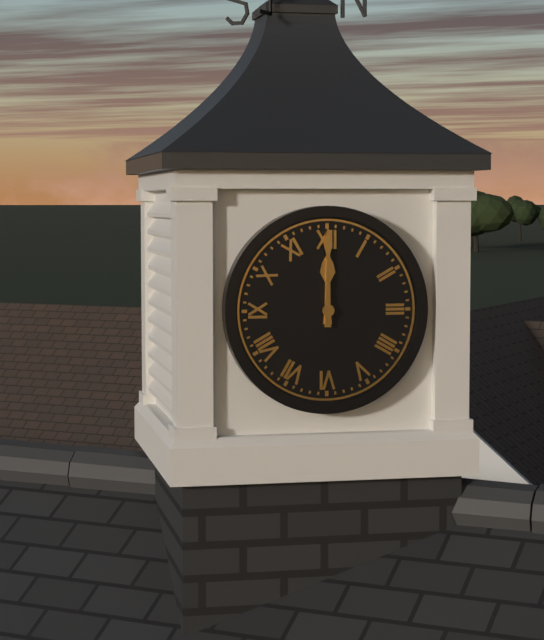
12:00
